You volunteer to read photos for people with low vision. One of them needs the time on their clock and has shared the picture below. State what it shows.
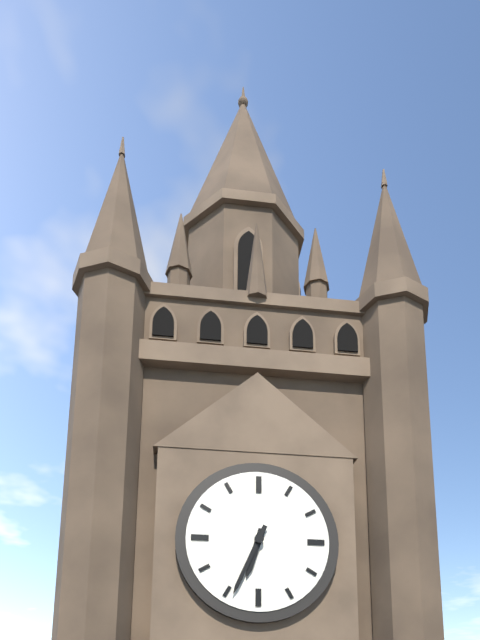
6:34
